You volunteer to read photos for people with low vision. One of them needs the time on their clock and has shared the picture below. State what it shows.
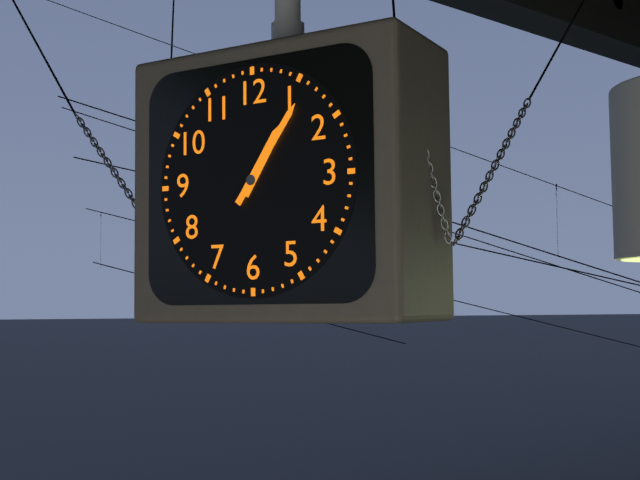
1:06
